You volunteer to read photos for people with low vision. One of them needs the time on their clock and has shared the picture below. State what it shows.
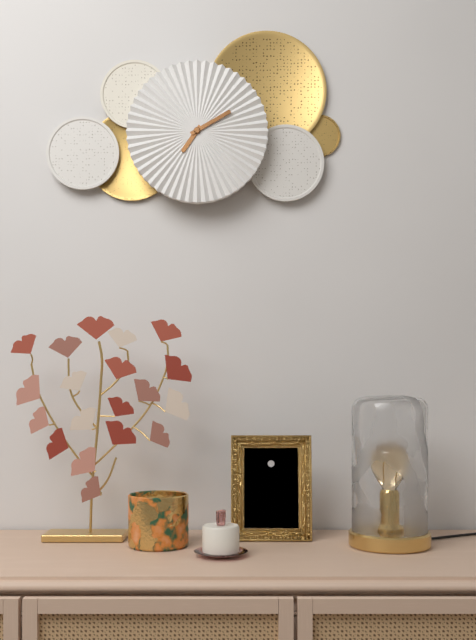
7:10
